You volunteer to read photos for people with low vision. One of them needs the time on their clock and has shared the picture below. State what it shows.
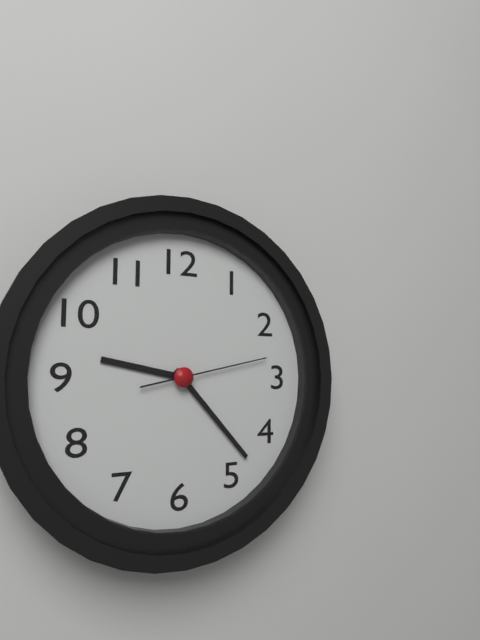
9:23:13
